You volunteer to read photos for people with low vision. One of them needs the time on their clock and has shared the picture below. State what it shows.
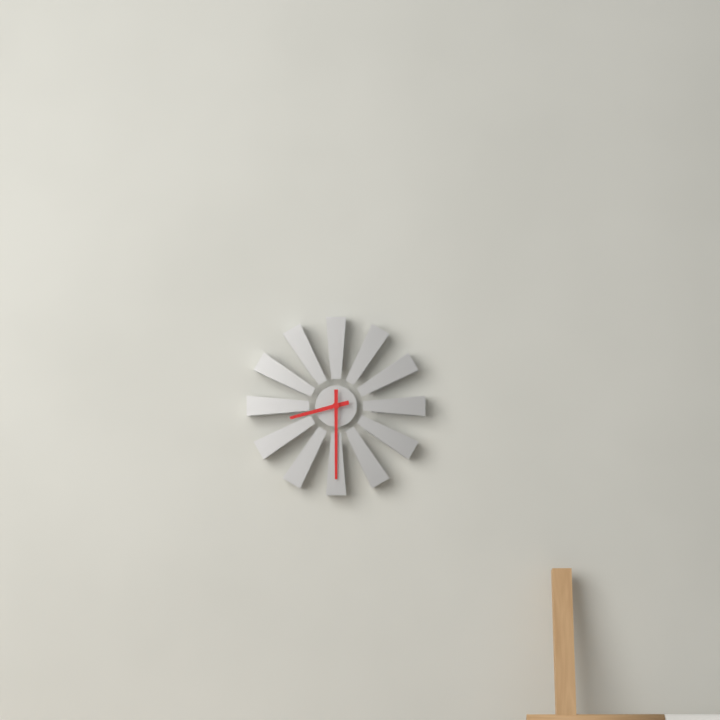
8:30
